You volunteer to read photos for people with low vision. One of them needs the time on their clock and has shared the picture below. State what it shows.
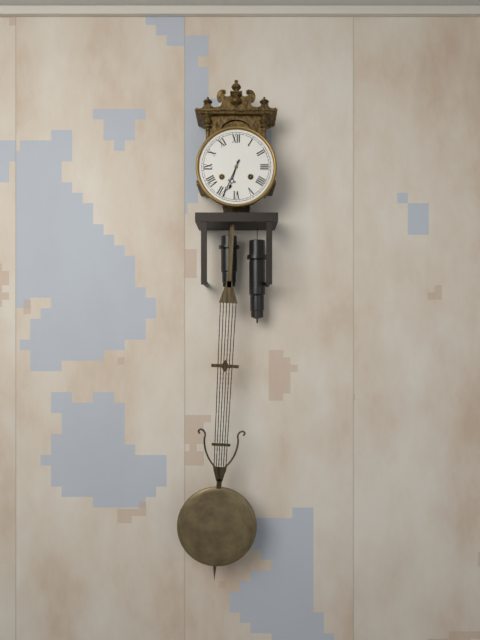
6:34
